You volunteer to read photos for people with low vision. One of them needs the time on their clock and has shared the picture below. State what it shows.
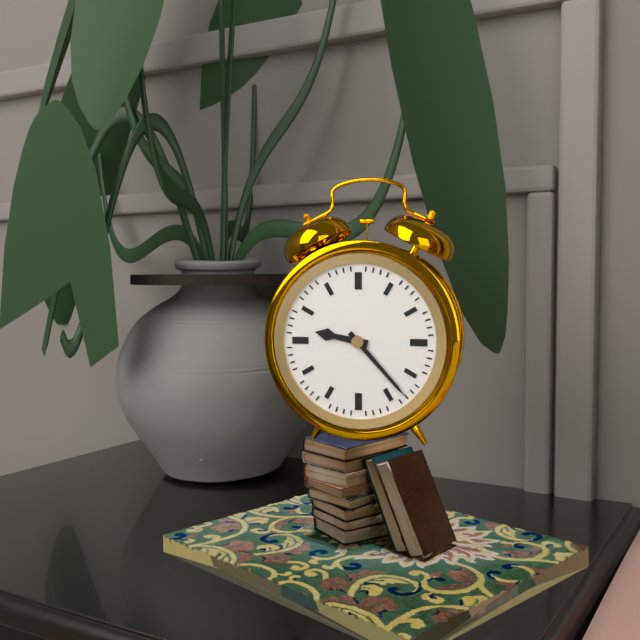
9:23
